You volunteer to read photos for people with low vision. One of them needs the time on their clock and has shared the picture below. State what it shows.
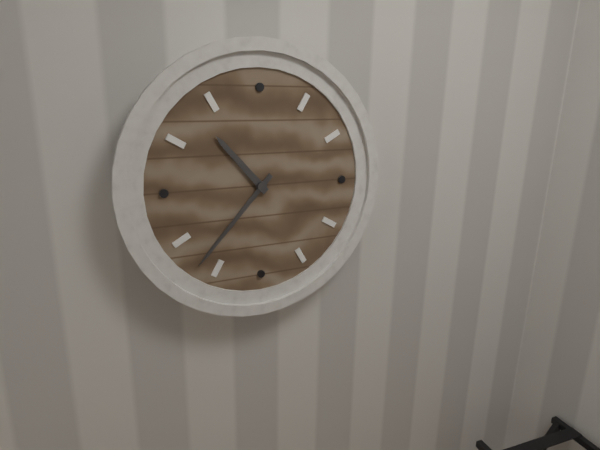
10:37
